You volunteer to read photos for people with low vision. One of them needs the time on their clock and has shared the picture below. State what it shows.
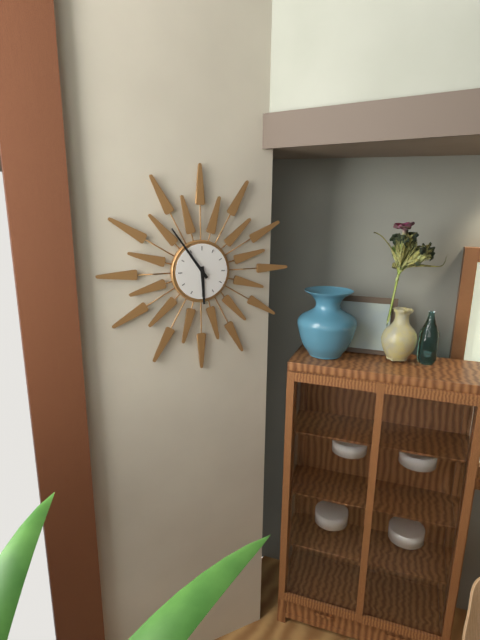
5:54
